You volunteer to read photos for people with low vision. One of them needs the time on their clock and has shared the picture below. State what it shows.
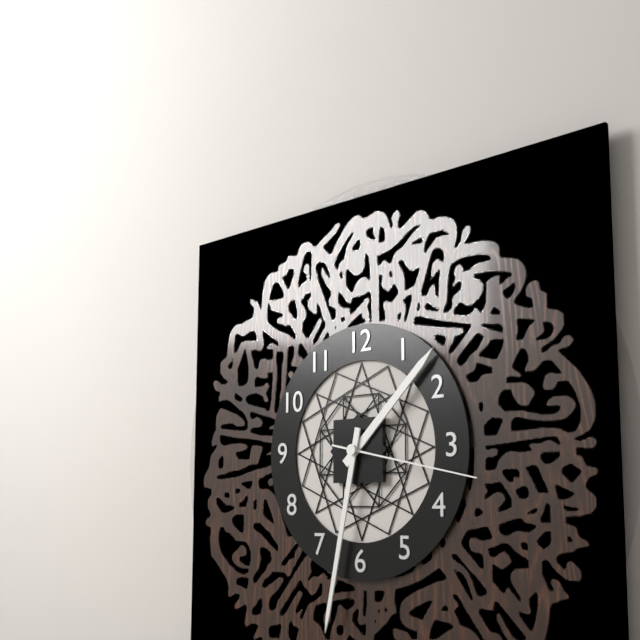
1:32:17
